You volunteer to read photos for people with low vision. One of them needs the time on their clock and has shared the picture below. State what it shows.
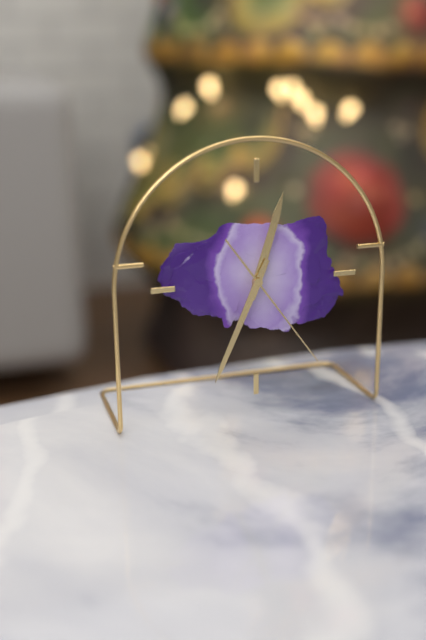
12:34:24
